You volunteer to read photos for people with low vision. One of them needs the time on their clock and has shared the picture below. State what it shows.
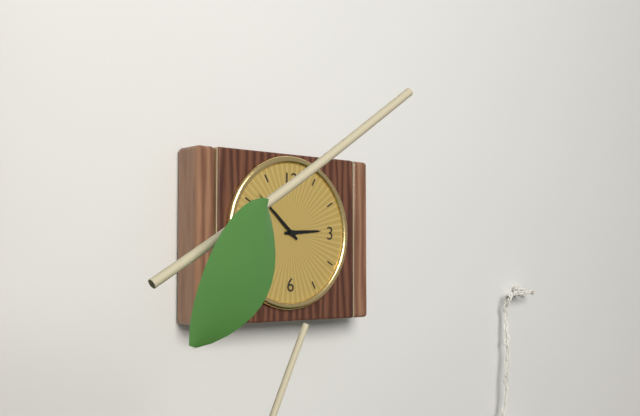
2:52
